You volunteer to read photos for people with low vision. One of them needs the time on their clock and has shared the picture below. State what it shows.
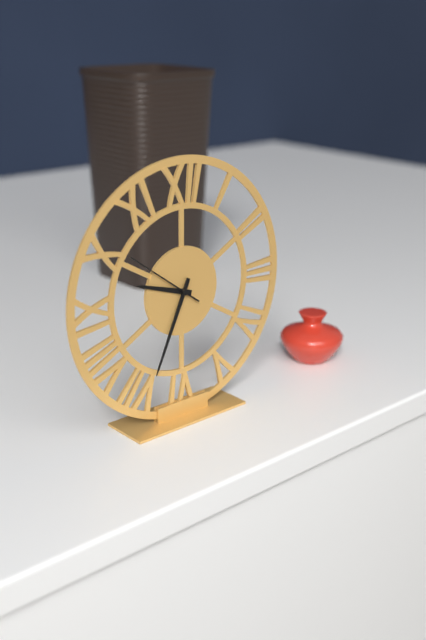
9:34:51
